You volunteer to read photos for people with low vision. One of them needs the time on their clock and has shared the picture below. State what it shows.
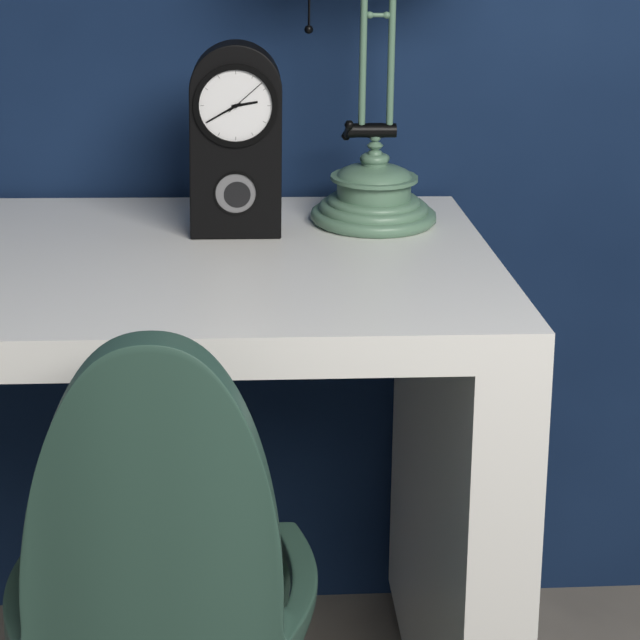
2:40
